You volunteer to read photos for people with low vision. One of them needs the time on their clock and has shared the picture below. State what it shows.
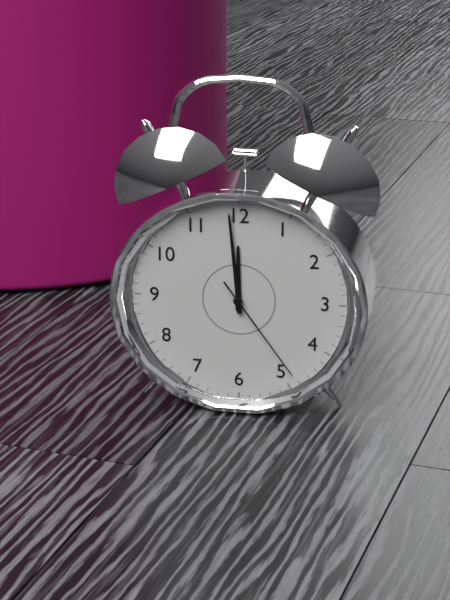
11:59:24
